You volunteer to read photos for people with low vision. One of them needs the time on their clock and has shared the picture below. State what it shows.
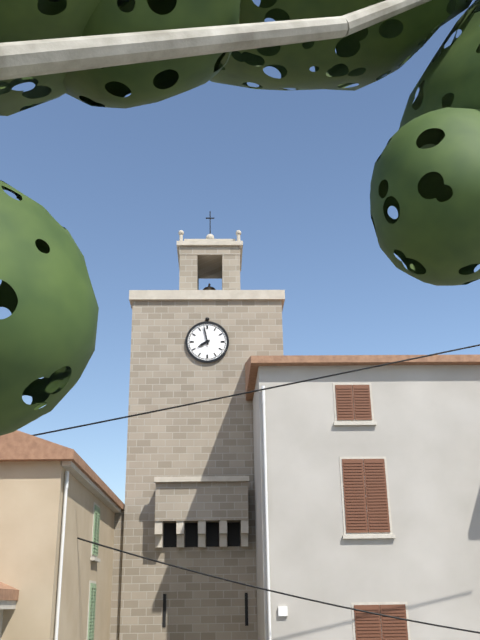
7:58
